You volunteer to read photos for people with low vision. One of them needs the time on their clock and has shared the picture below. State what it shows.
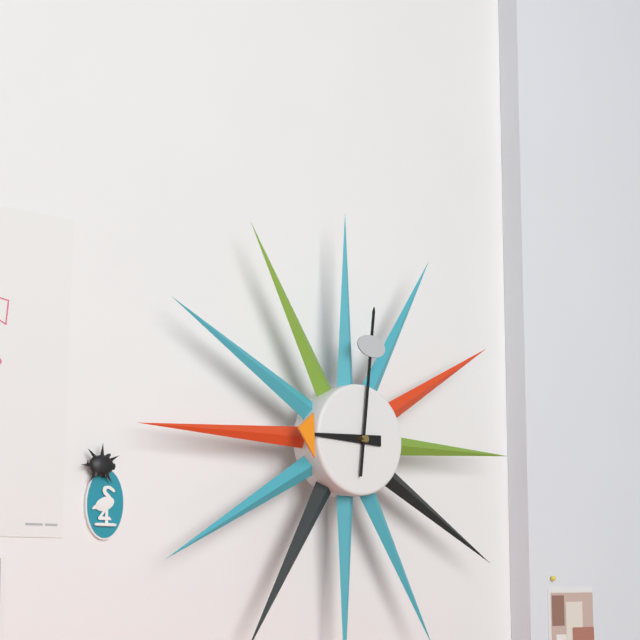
9:01
